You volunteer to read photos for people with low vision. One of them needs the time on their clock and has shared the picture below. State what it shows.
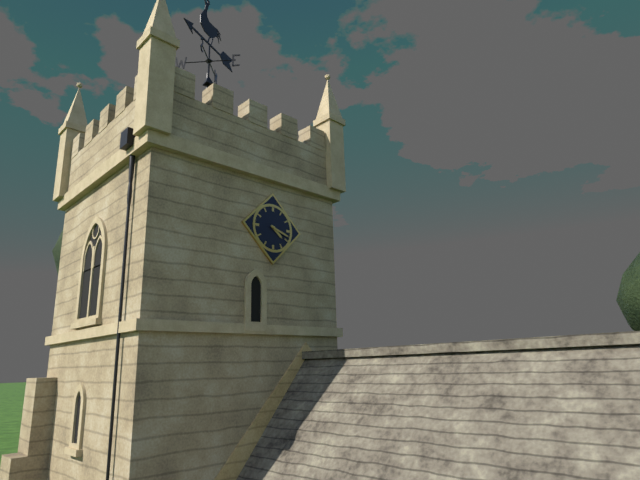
4:18
